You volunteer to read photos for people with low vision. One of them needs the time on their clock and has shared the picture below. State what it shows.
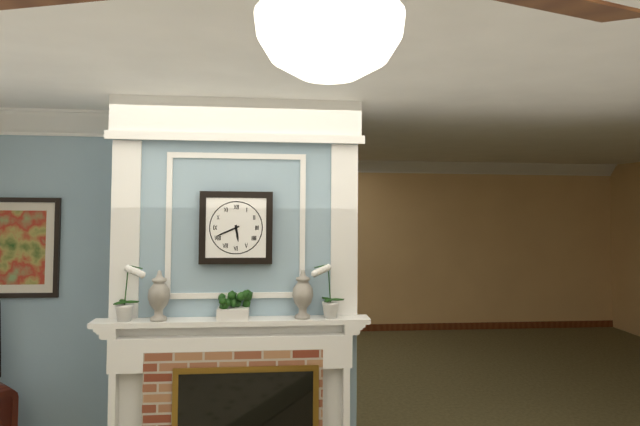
5:41
